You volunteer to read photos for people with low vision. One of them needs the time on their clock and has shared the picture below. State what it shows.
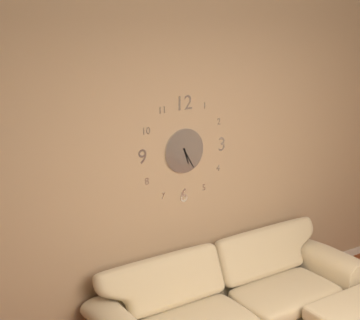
5:25
